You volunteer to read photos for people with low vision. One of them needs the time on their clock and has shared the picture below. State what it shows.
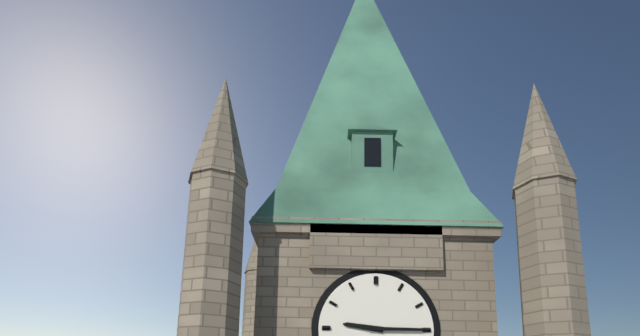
9:15
